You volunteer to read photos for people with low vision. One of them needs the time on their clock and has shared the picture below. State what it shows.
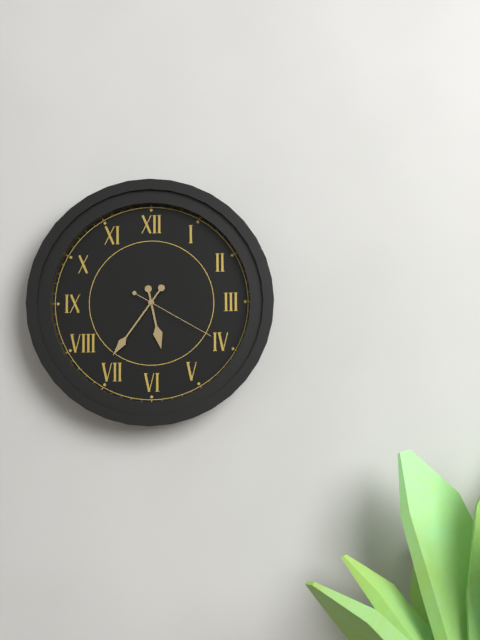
5:36:20
